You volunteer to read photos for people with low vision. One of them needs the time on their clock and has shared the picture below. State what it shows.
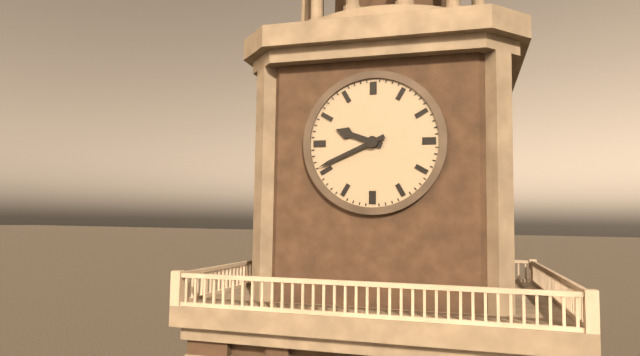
9:41
